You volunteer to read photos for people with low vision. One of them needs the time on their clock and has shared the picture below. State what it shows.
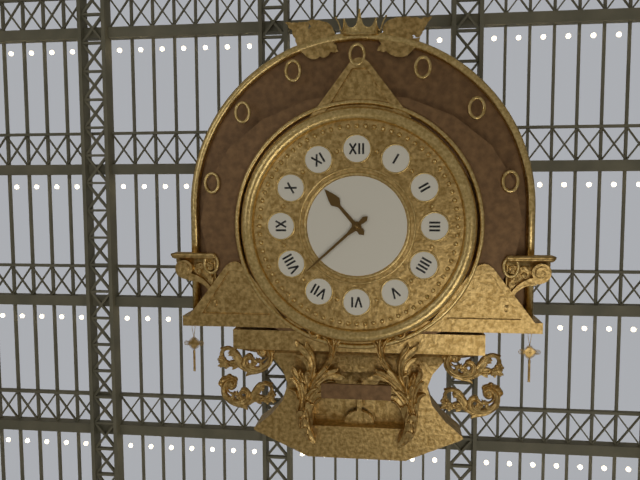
10:38
